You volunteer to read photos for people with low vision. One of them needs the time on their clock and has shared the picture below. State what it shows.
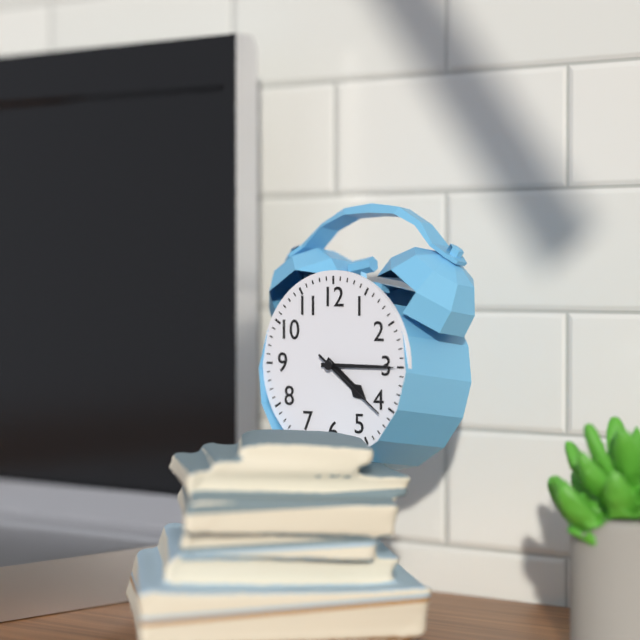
4:15:21
